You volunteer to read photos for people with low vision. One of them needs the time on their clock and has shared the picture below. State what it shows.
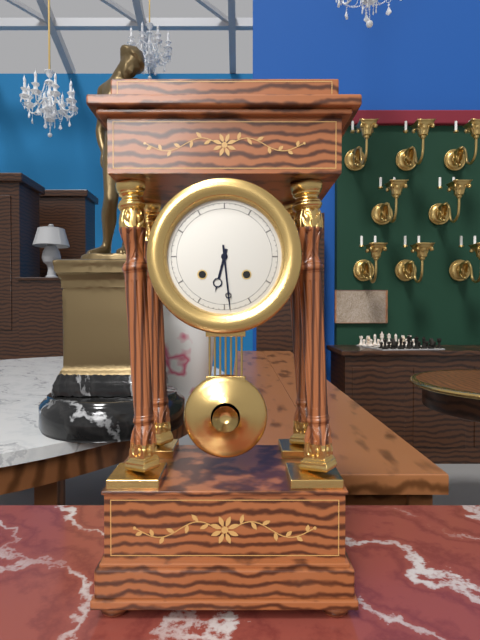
6:29
